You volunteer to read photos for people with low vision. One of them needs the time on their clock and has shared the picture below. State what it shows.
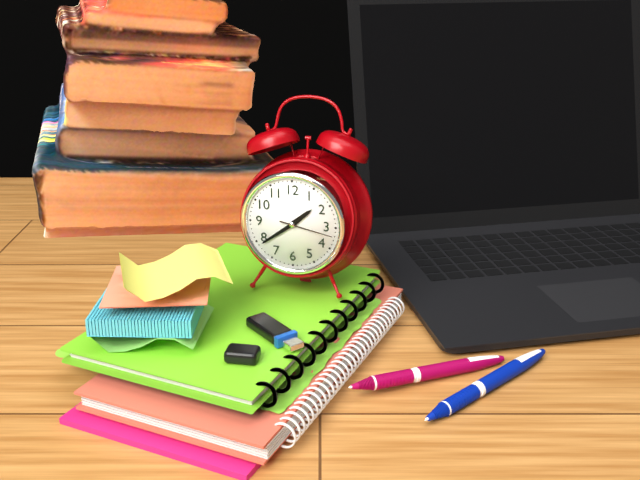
1:39:17
